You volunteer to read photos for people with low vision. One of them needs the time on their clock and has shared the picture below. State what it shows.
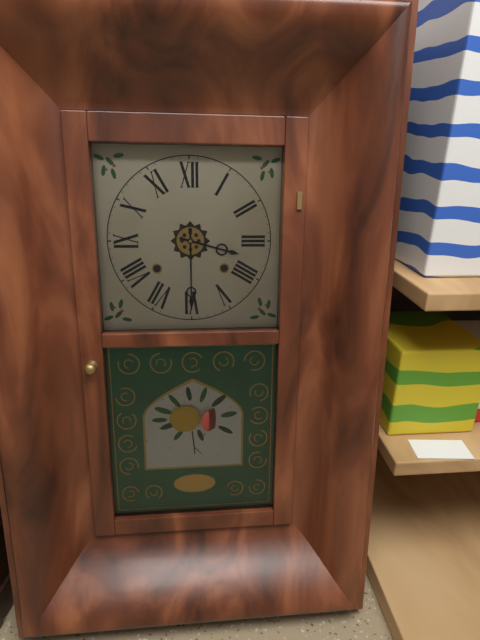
3:30
